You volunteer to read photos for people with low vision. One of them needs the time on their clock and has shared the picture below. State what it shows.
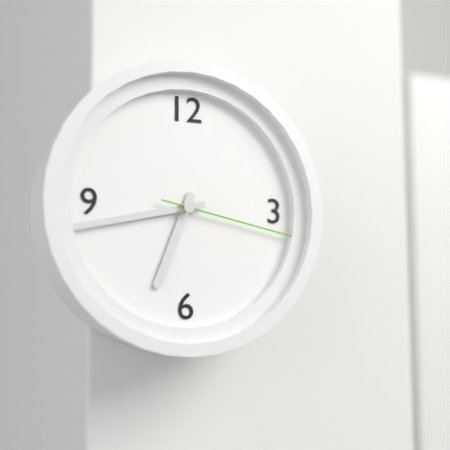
6:43:17
